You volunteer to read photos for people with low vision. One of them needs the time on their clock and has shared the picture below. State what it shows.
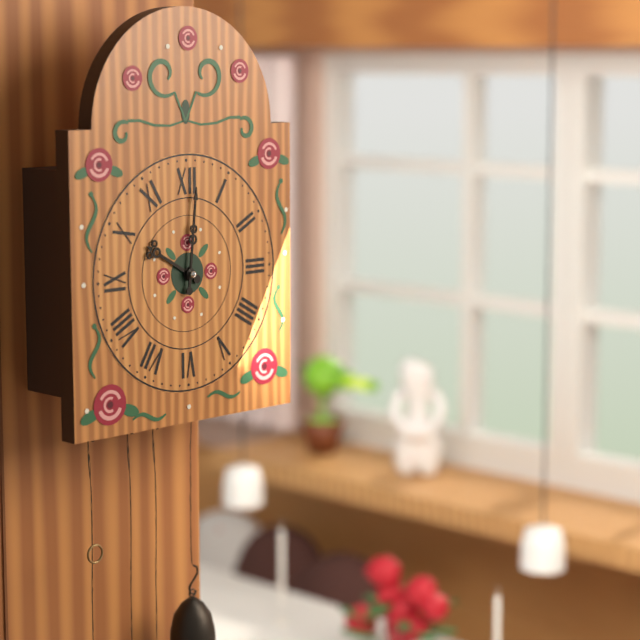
10:01
